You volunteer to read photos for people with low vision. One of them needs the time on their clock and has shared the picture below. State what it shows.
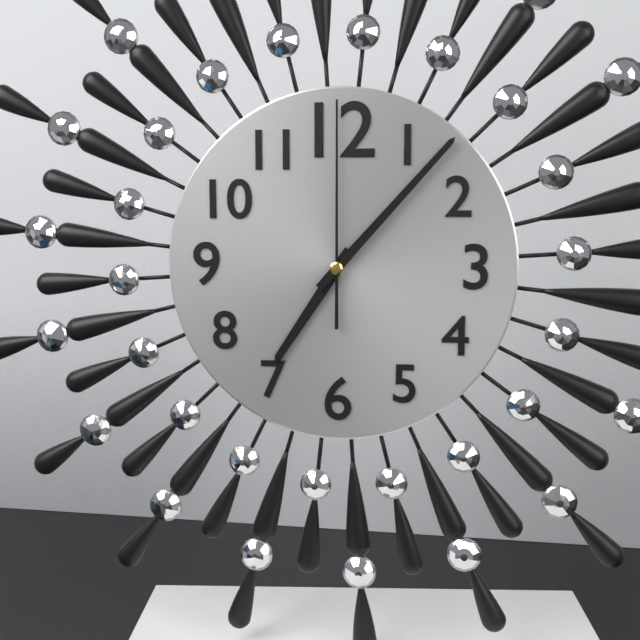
7:07:00
